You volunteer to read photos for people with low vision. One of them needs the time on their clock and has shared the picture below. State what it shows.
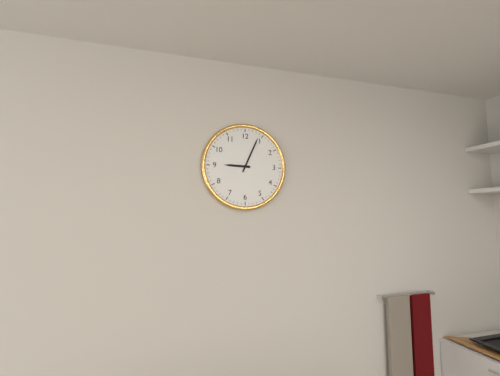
9:04
